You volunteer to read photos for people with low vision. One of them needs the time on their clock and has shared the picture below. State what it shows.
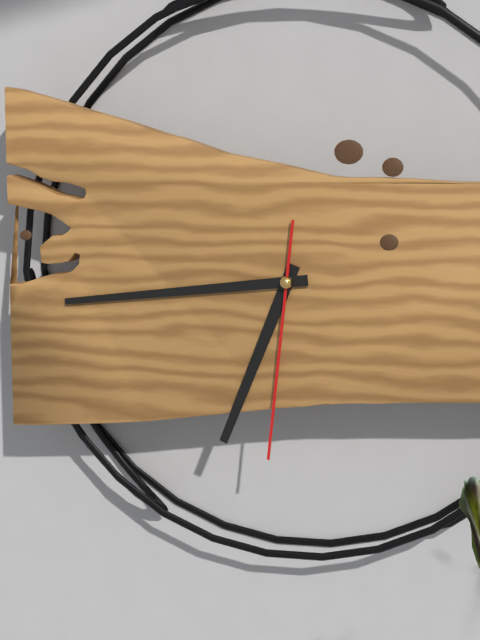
6:44:31
